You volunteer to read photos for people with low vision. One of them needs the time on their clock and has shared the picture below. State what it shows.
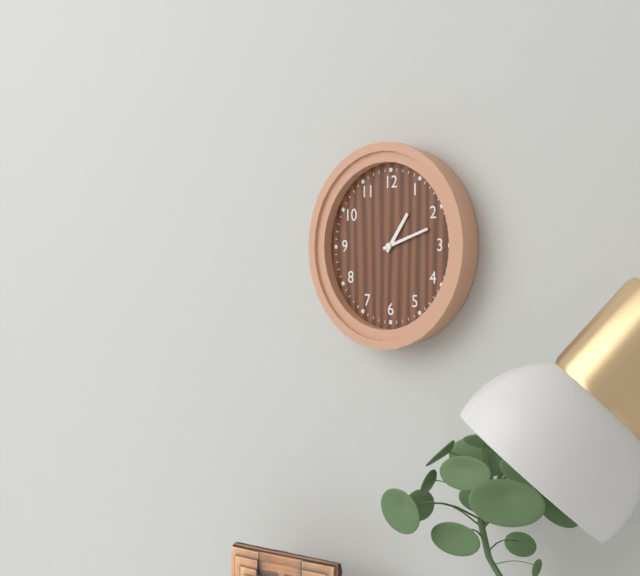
1:12
